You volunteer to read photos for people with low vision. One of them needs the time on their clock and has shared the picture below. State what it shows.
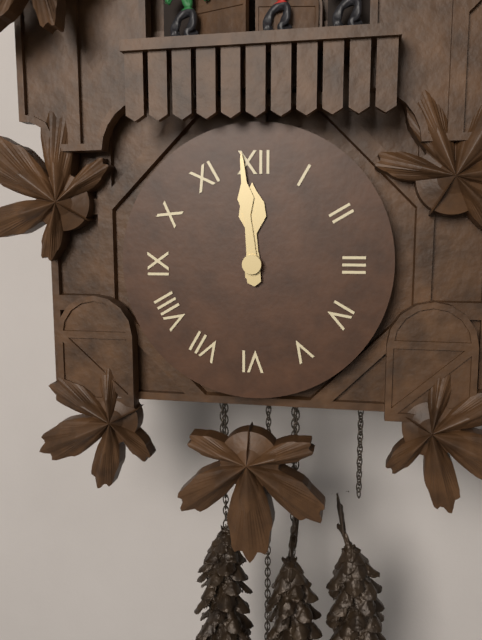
11:59
